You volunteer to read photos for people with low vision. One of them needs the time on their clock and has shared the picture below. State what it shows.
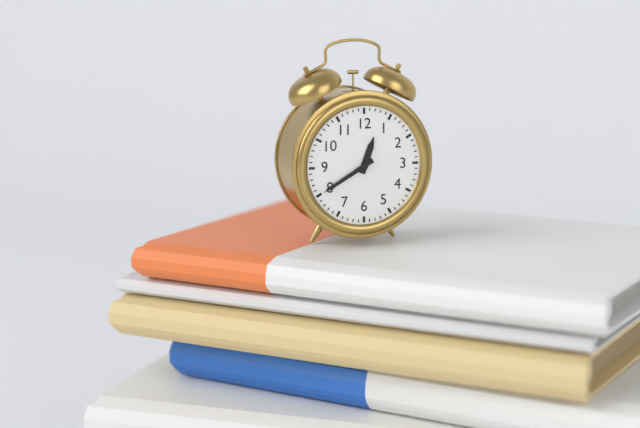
12:40
